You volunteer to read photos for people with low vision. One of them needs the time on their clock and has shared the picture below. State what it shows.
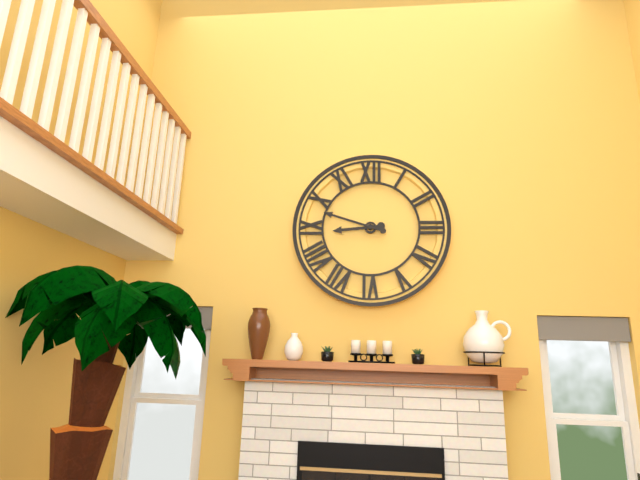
8:48
